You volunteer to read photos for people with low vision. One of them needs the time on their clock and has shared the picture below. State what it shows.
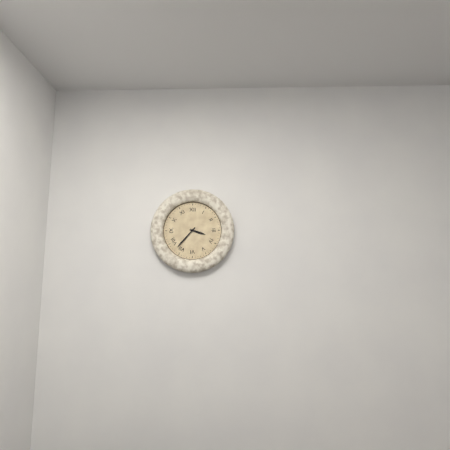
3:37
